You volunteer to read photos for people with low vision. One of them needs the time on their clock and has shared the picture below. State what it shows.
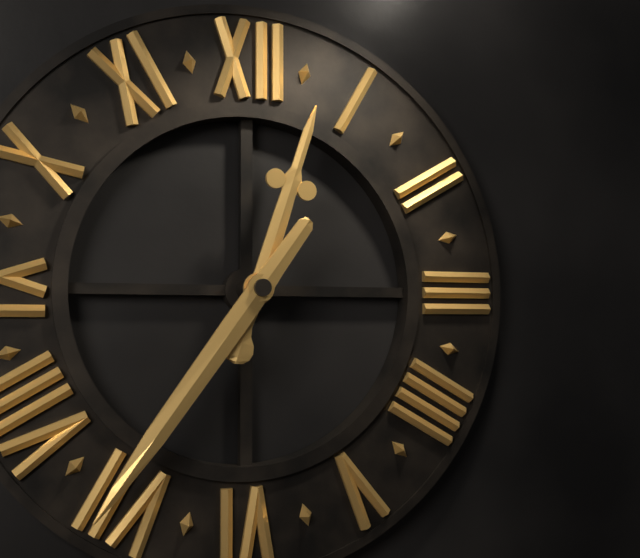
12:36
